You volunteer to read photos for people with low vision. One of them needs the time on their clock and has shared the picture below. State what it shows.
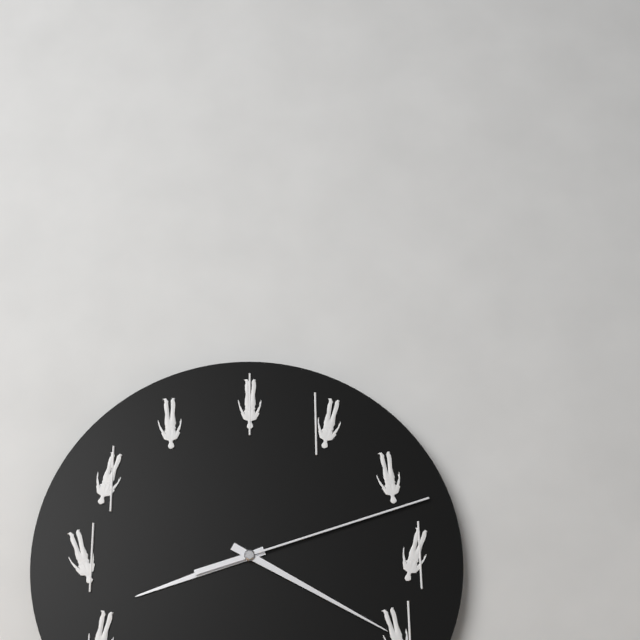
8:20:12
